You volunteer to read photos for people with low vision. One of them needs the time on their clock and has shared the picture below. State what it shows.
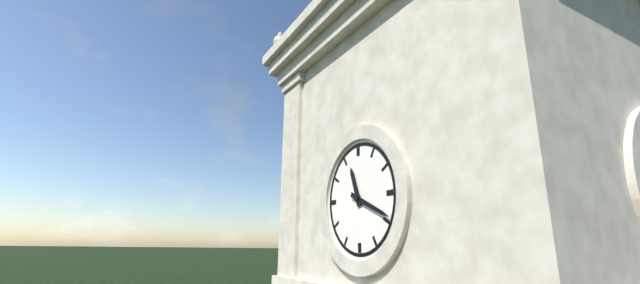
11:19
